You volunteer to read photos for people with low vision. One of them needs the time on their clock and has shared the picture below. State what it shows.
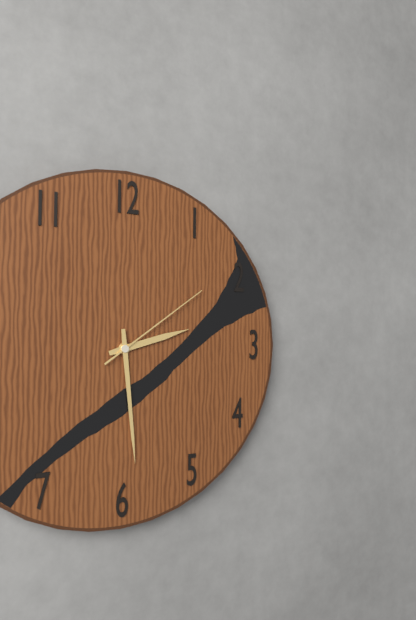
2:29:09
